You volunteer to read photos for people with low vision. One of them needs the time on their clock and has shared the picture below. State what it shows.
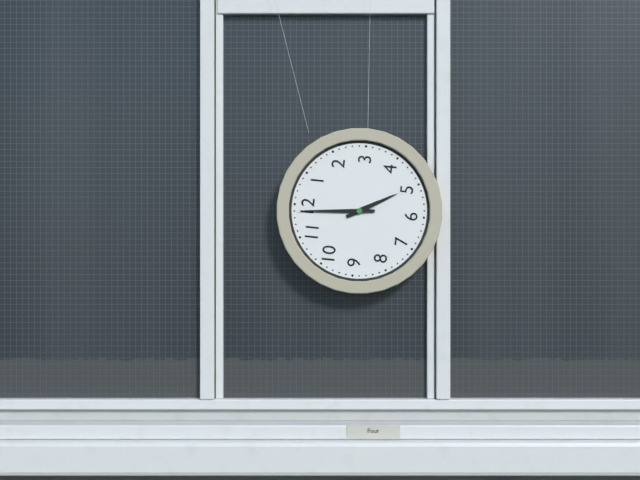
4:59
